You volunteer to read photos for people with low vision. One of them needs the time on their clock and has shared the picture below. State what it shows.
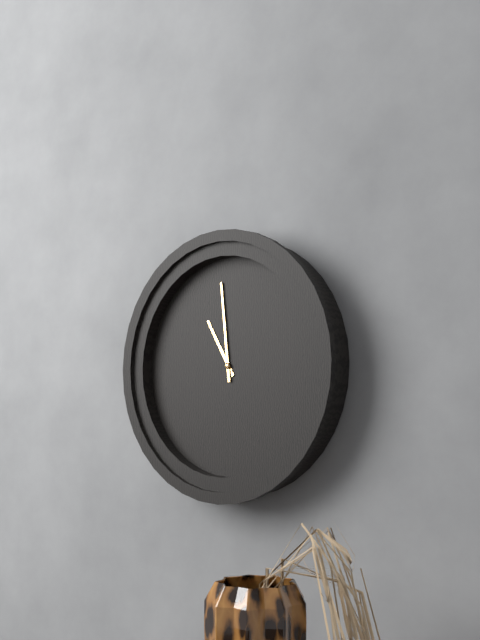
10:59
